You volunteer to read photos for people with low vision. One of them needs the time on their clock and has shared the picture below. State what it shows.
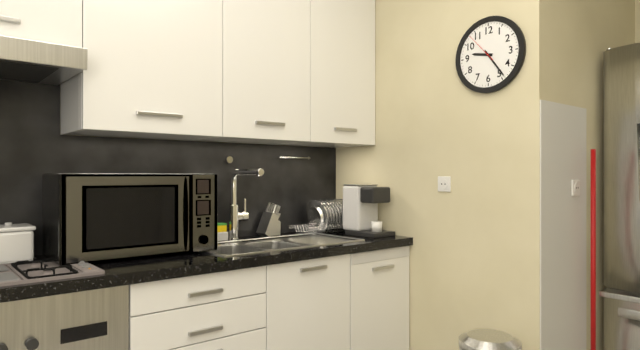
9:24
